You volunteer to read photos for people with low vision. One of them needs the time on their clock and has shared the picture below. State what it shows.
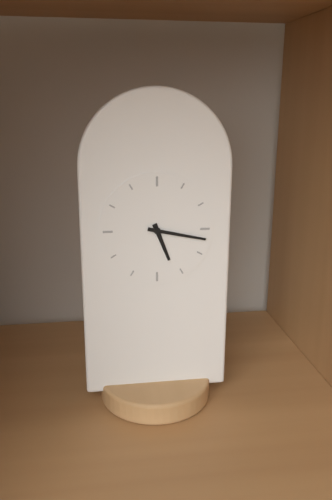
5:17
